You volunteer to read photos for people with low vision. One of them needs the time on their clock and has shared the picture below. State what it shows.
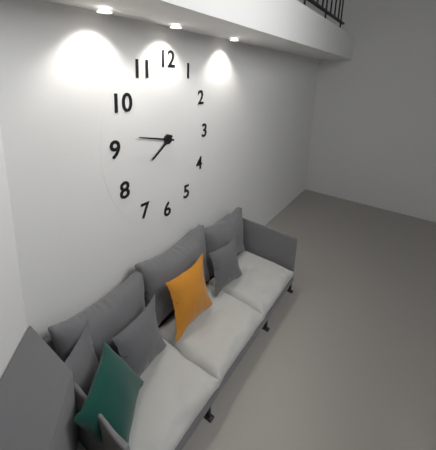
7:47
